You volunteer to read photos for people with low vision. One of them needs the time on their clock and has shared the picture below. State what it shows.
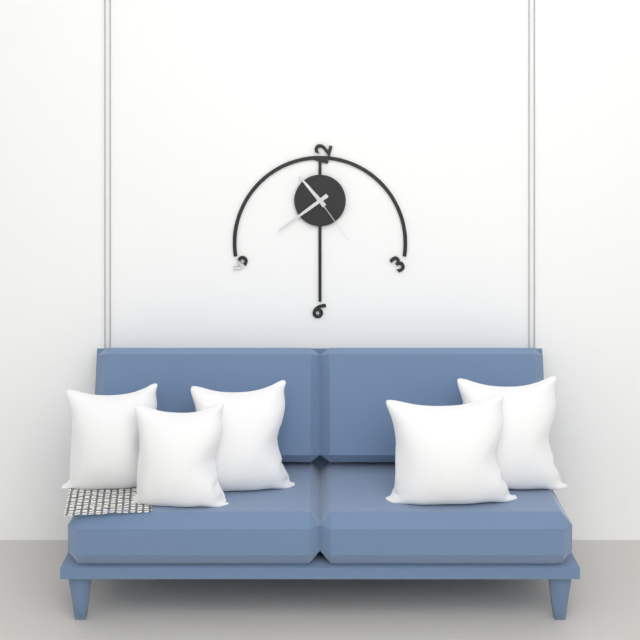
10:39:24
